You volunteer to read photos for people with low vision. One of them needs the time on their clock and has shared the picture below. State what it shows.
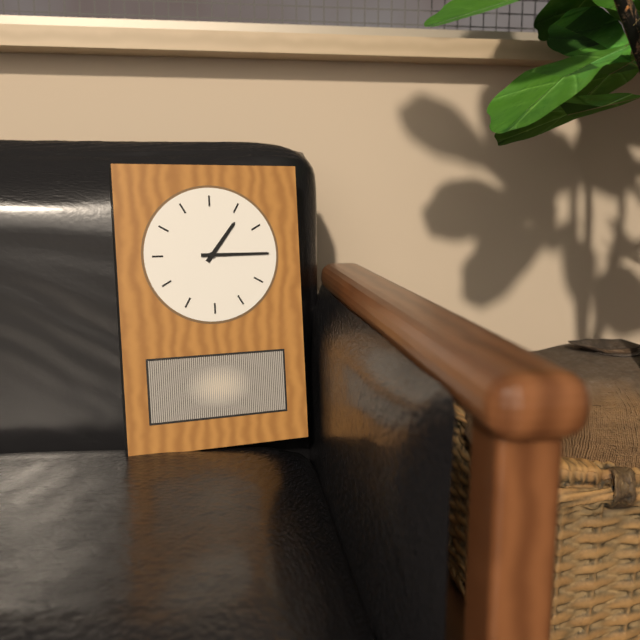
1:15
